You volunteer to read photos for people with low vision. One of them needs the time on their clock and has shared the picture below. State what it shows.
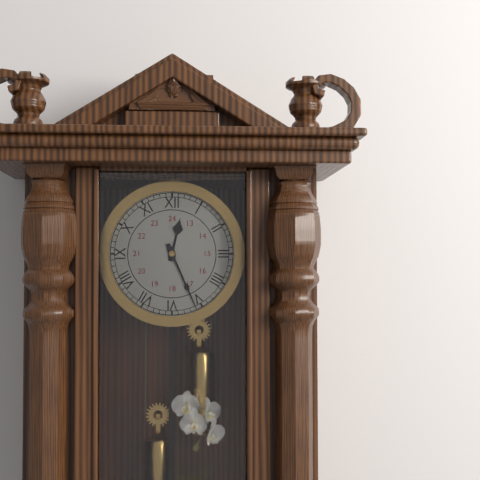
12:26
